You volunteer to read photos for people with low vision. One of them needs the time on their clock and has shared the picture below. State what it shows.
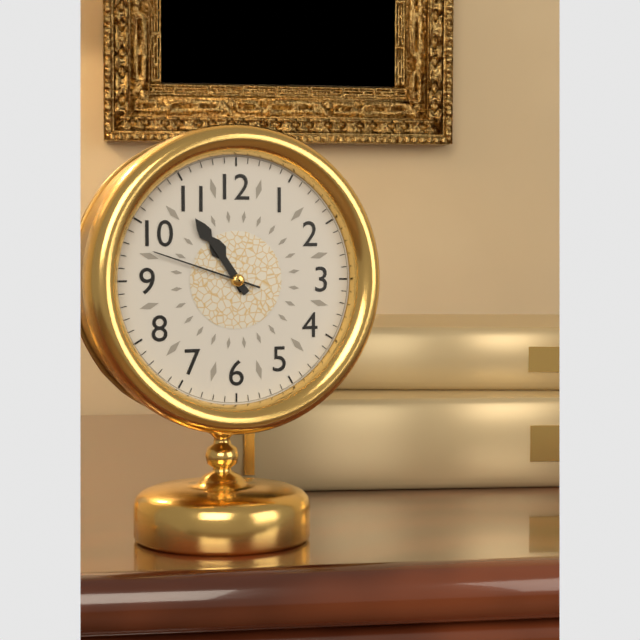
10:54:48
